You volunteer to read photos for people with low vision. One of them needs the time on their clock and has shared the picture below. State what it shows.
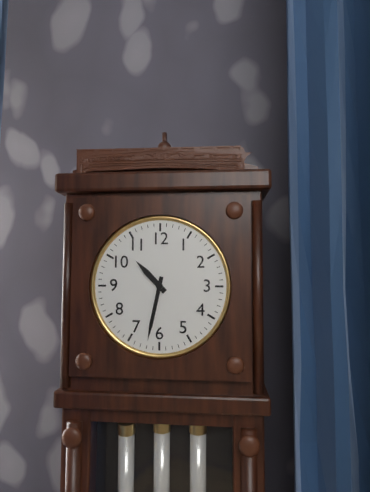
10:32
